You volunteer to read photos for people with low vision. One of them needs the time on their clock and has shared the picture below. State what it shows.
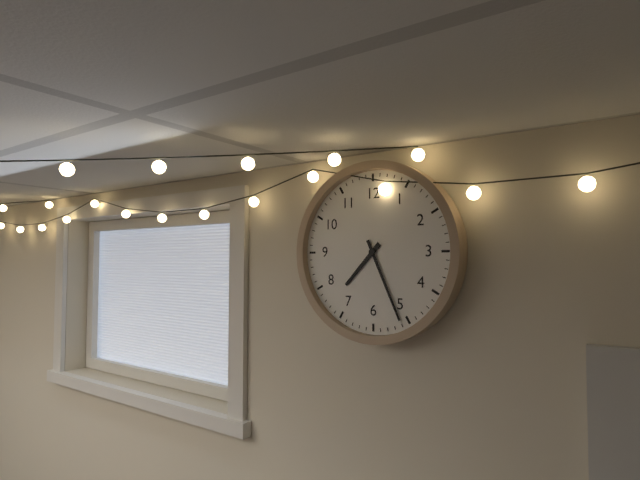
7:26
